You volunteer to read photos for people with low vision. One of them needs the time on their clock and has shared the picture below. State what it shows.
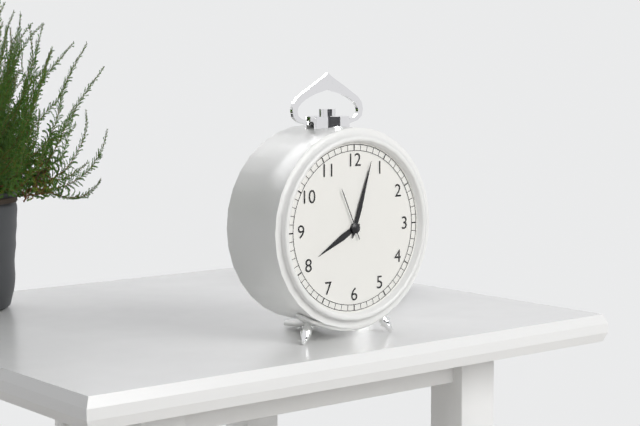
8:03:56
